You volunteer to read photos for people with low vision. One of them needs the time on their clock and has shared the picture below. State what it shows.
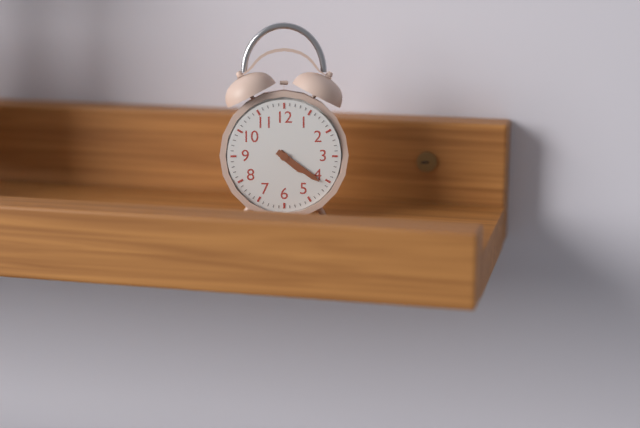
4:21
